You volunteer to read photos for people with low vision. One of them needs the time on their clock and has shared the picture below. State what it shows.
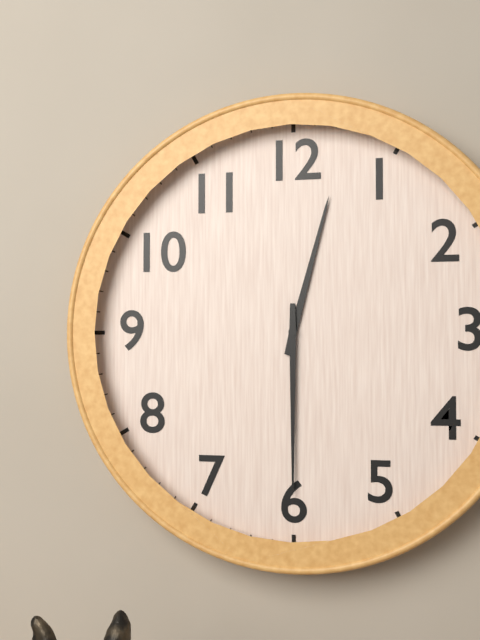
12:30
